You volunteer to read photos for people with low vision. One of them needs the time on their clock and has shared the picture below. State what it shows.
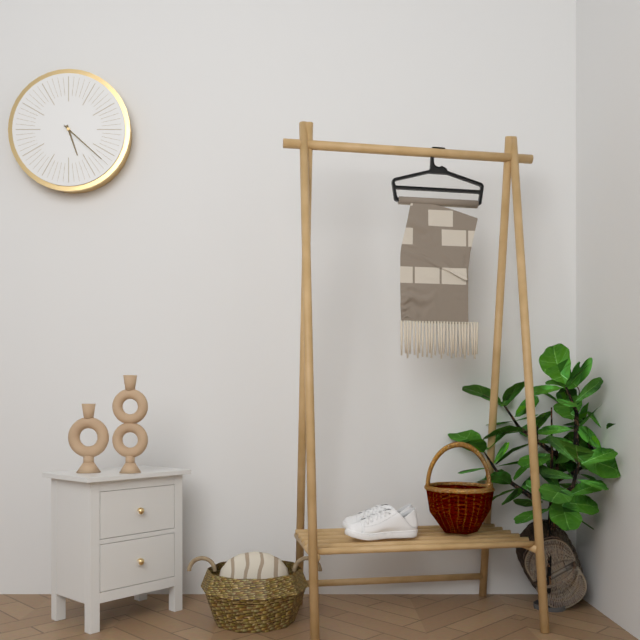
5:22
